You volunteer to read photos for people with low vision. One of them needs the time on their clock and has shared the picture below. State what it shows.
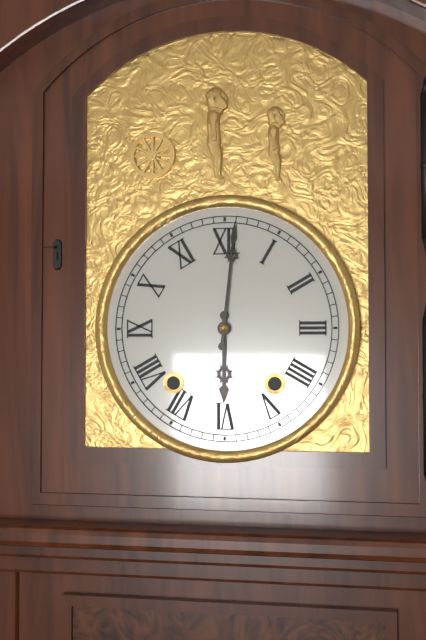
6:01
